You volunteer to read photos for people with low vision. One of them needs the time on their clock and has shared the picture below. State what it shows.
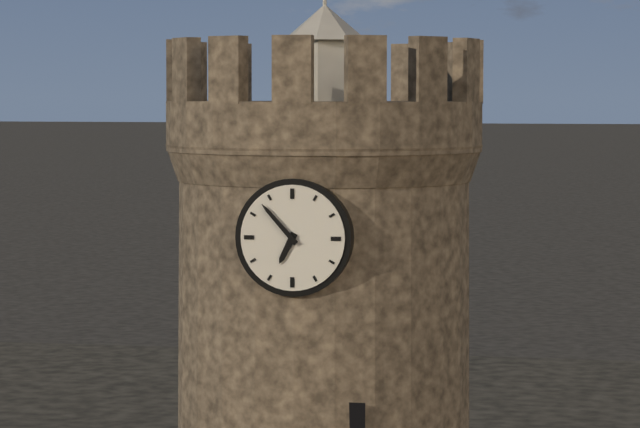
6:53
